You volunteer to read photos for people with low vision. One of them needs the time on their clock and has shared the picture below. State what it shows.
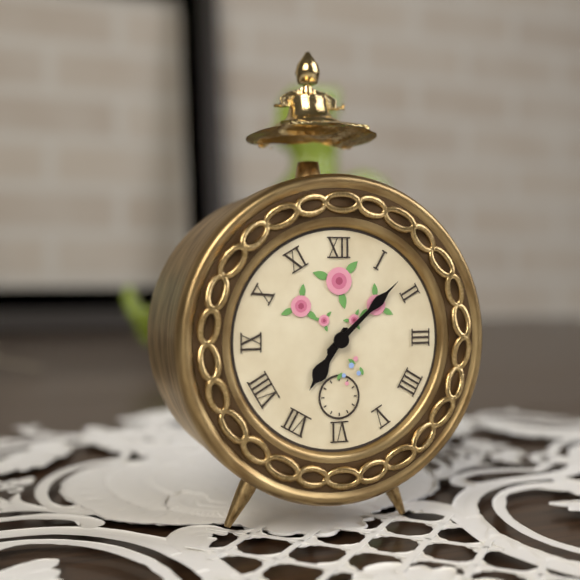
7:08
